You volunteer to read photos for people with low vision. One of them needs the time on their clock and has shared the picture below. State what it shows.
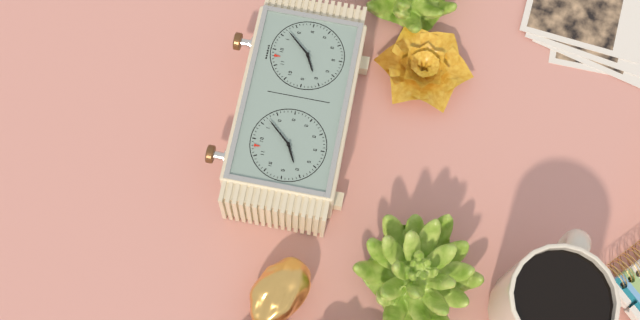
8:07
